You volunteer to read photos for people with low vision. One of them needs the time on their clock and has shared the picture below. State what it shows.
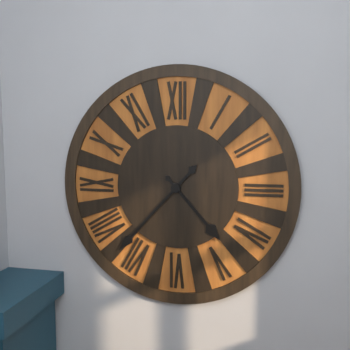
4:37
